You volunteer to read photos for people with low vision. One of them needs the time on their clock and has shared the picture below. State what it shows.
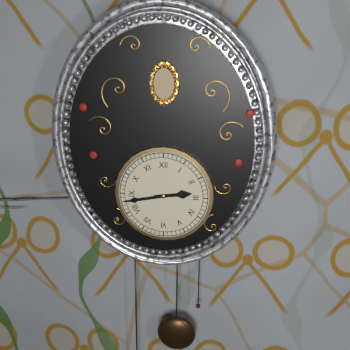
2:43
